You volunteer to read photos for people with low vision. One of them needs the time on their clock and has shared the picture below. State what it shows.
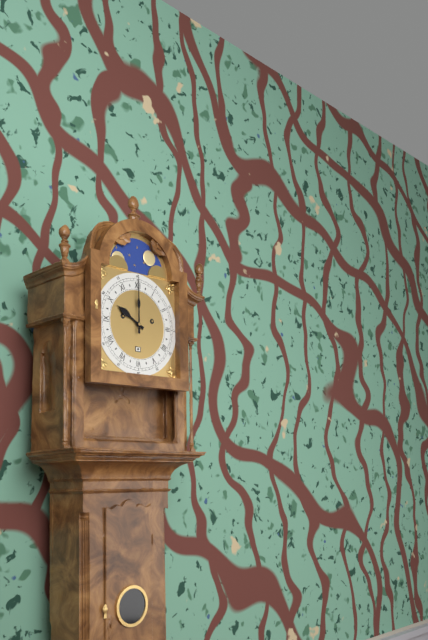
10:00
